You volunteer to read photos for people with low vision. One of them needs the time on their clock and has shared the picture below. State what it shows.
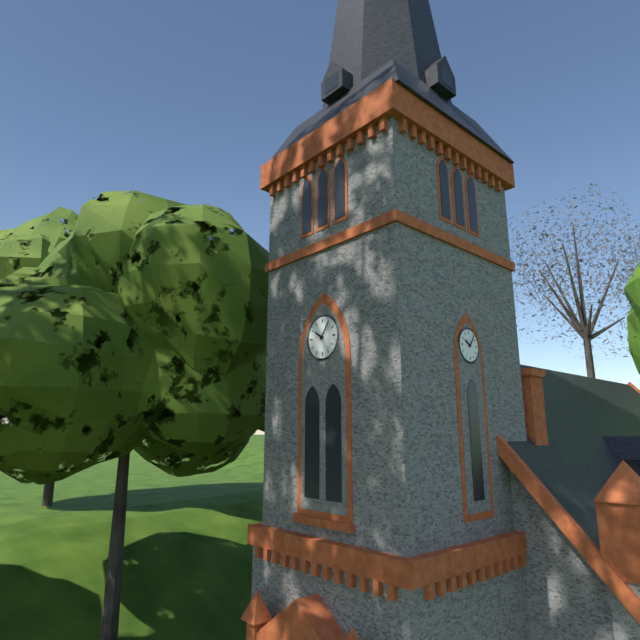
10:06
